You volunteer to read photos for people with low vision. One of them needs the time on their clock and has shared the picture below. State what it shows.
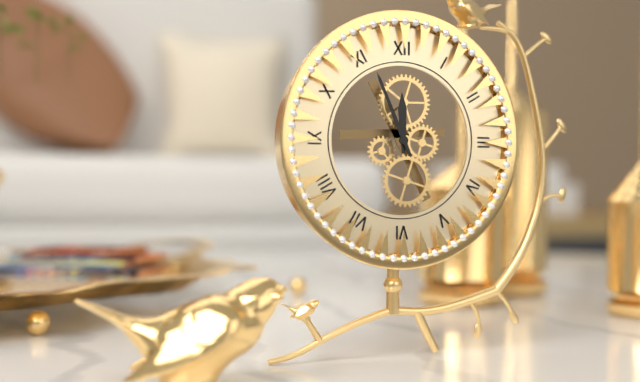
11:56
